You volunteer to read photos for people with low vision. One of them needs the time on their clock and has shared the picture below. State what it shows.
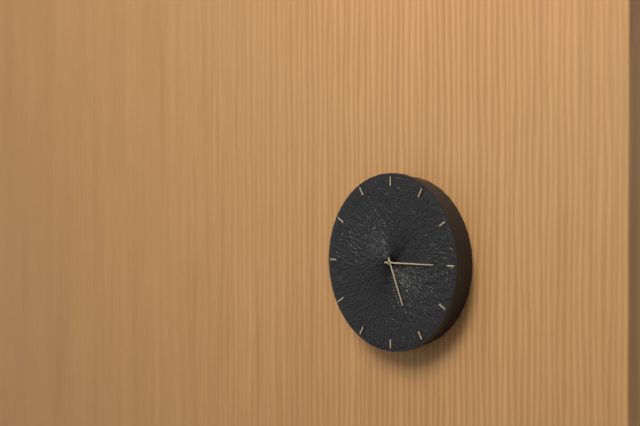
5:15
